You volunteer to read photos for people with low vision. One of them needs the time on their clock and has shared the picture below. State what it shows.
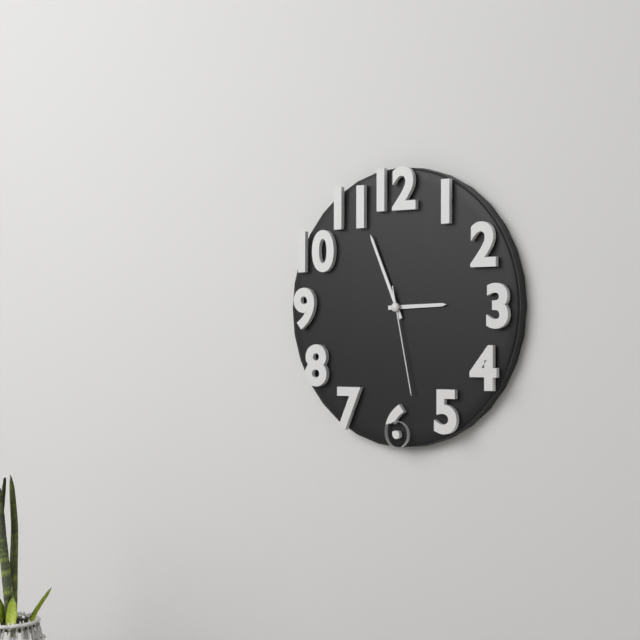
2:56:28
